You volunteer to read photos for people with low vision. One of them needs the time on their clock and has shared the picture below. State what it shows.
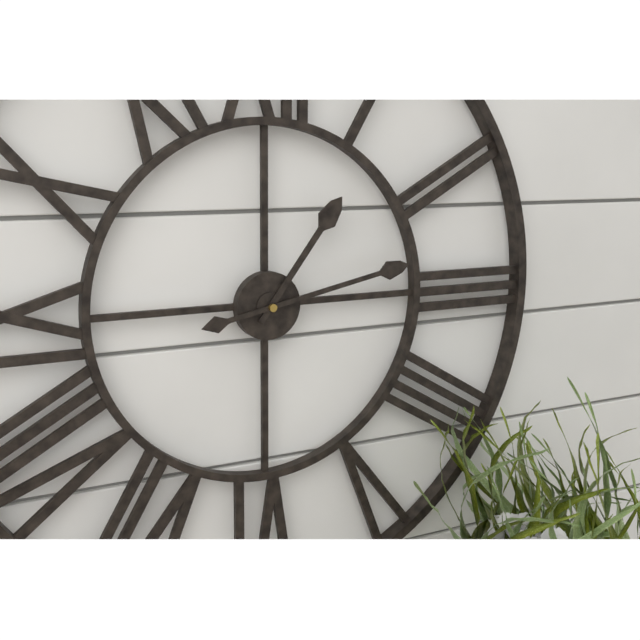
1:13
